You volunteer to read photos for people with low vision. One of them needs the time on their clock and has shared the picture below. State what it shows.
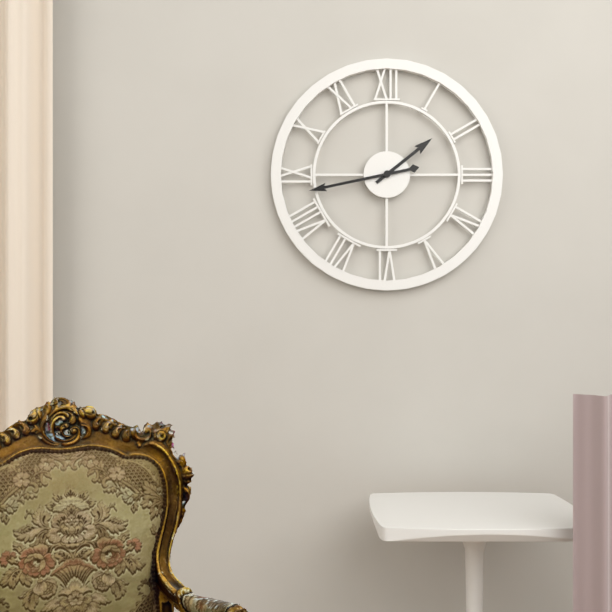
1:43
